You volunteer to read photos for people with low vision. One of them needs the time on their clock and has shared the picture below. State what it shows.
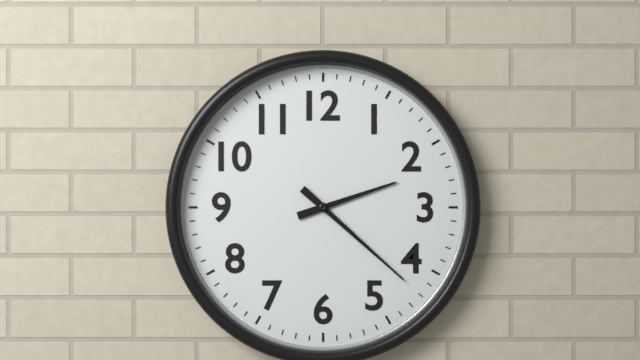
2:22
